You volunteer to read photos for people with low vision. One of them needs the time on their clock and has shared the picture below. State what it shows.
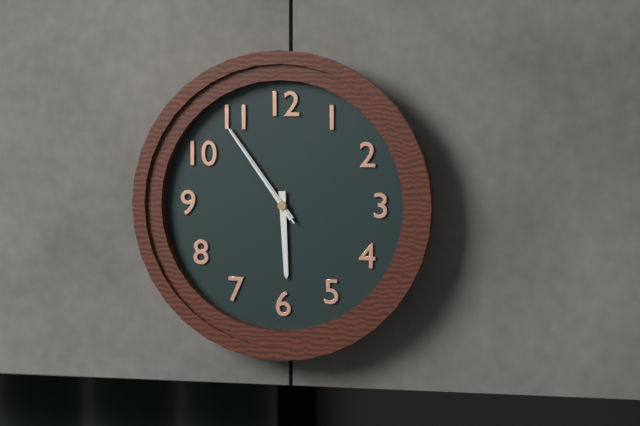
5:54:54
